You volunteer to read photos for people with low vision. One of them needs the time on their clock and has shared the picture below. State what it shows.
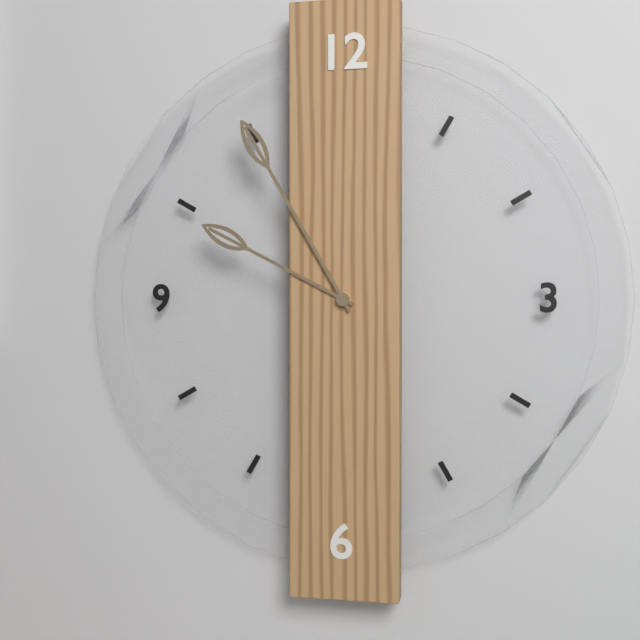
9:55
